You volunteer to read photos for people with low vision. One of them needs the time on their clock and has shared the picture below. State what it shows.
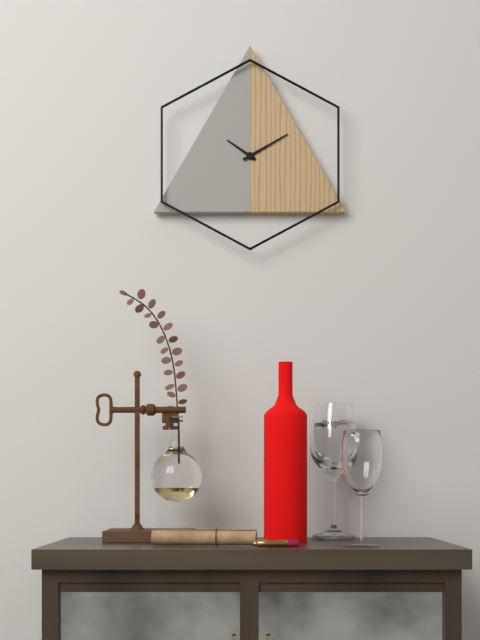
10:10
